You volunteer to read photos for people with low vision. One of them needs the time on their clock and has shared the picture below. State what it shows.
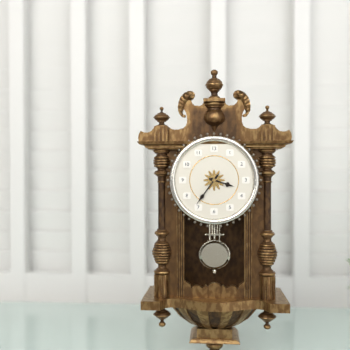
3:36
